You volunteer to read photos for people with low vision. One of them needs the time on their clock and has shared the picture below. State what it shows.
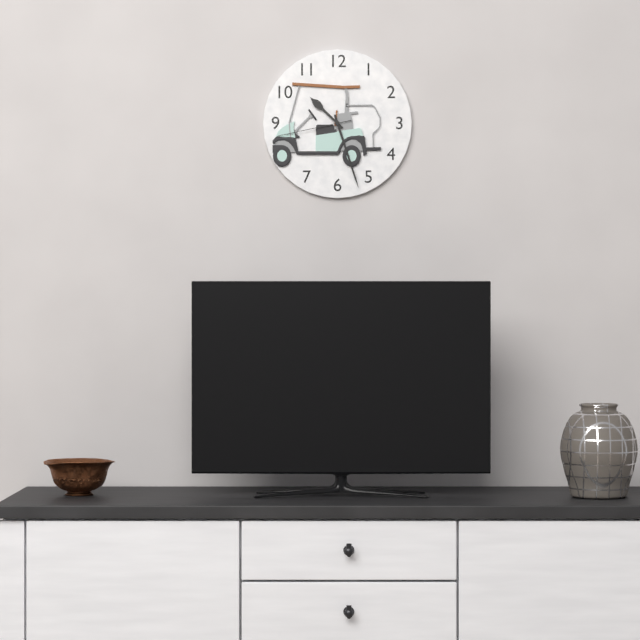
10:27:43
